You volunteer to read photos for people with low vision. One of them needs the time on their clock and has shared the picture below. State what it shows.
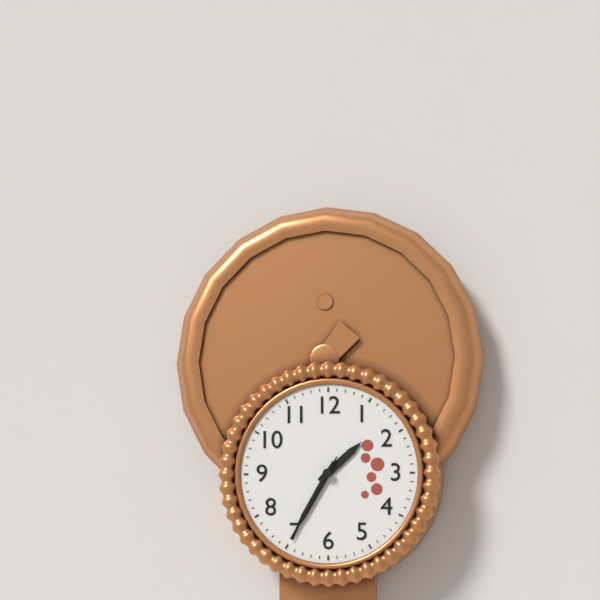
1:35:35
